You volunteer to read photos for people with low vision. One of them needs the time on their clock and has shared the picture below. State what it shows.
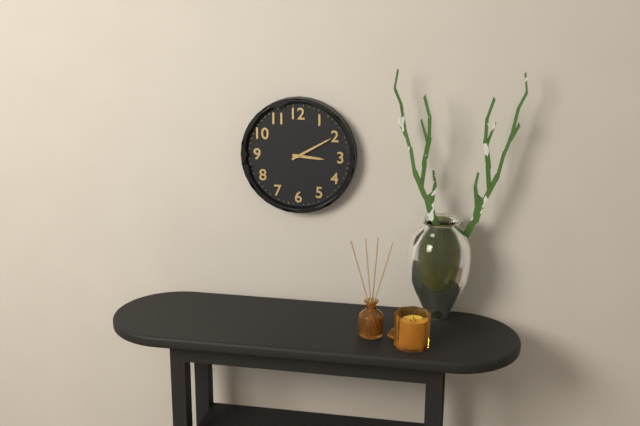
3:10
